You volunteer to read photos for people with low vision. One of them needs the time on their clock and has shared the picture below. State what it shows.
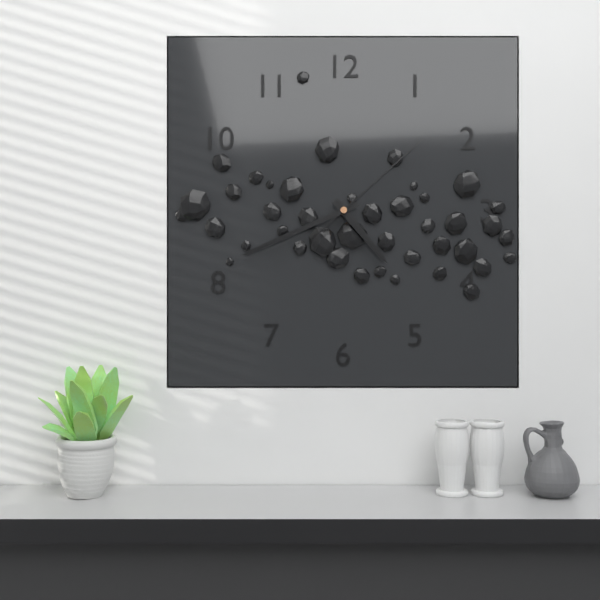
4:41:08
